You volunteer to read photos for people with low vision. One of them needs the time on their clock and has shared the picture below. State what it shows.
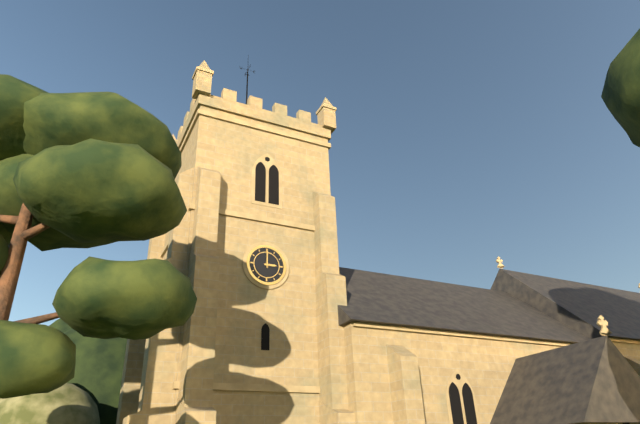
3:00
